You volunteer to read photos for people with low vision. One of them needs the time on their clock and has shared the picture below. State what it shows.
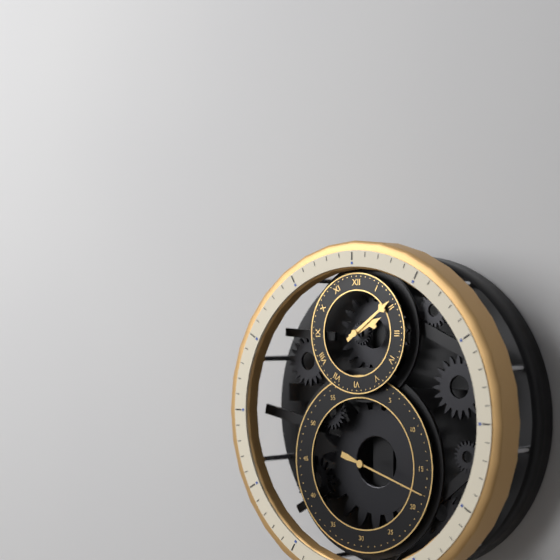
2:09:18
